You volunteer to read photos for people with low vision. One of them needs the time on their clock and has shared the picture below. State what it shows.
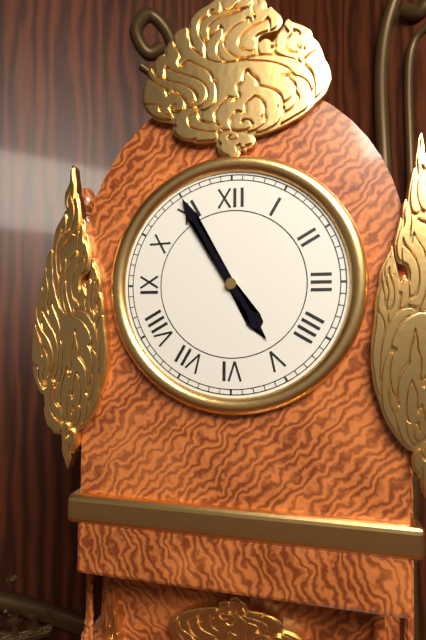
4:55
